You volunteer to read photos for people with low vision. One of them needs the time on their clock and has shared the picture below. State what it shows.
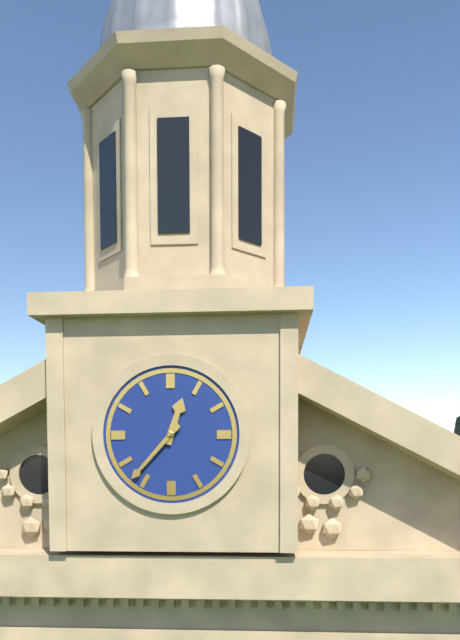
12:37
